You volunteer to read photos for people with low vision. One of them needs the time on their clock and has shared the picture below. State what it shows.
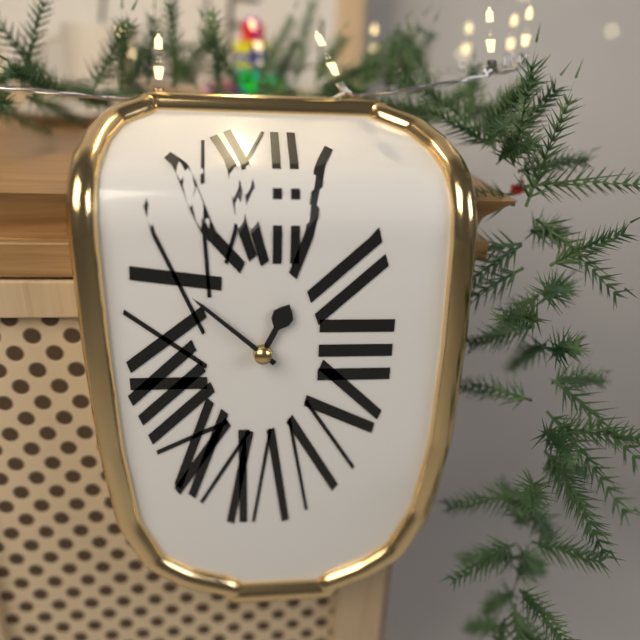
12:52
